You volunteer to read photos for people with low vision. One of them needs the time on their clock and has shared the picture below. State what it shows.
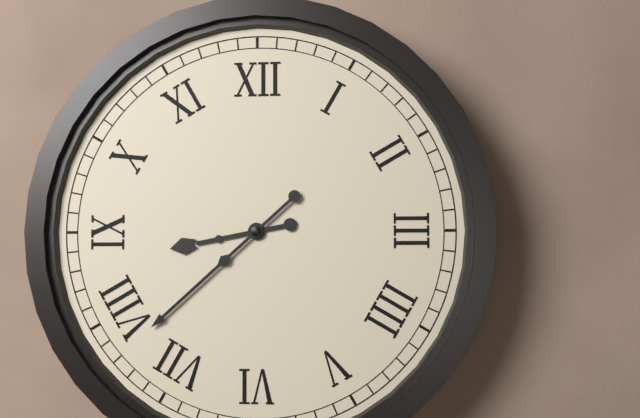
8:38
